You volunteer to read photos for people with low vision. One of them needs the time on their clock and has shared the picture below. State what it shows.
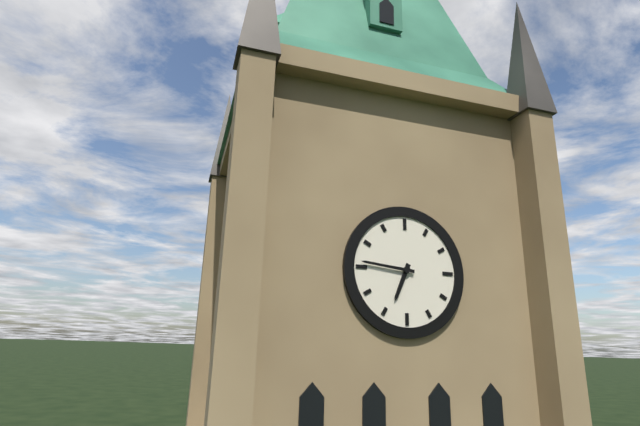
6:46
